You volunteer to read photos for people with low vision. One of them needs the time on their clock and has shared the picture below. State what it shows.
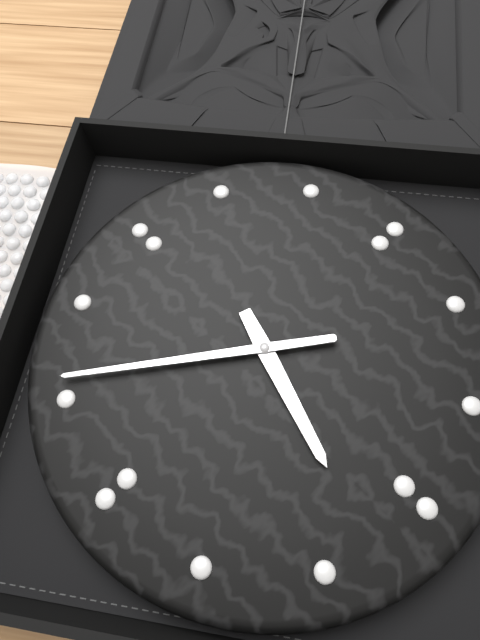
3:36
